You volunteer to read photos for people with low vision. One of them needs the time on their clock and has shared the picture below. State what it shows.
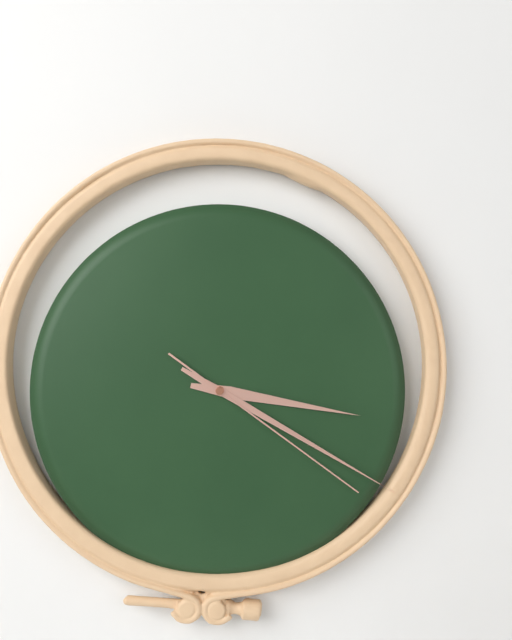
3:20:21
